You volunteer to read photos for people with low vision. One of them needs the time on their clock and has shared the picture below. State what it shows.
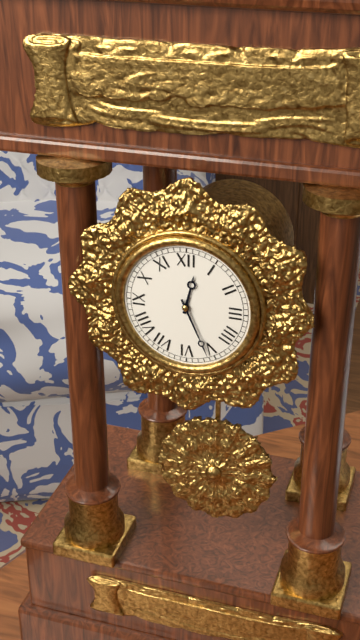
12:26
